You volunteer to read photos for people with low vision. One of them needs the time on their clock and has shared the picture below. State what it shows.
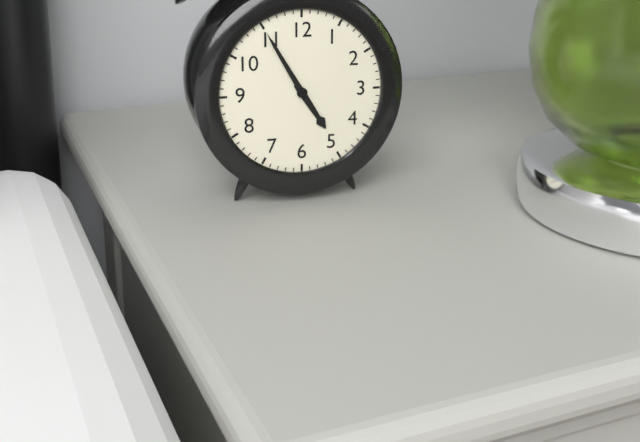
4:55
